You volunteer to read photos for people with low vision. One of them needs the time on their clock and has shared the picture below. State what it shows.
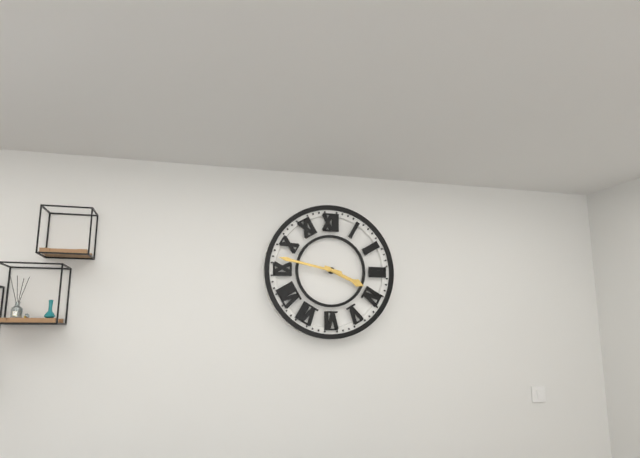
3:47
